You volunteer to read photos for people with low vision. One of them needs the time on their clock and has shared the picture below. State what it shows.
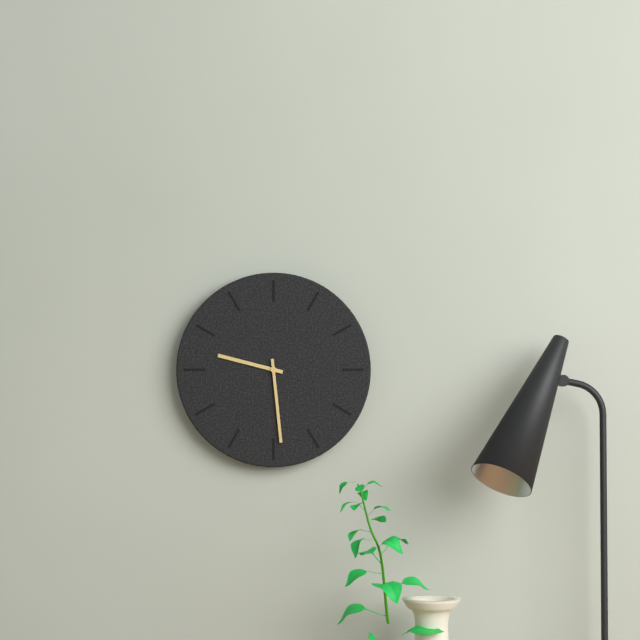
9:29
